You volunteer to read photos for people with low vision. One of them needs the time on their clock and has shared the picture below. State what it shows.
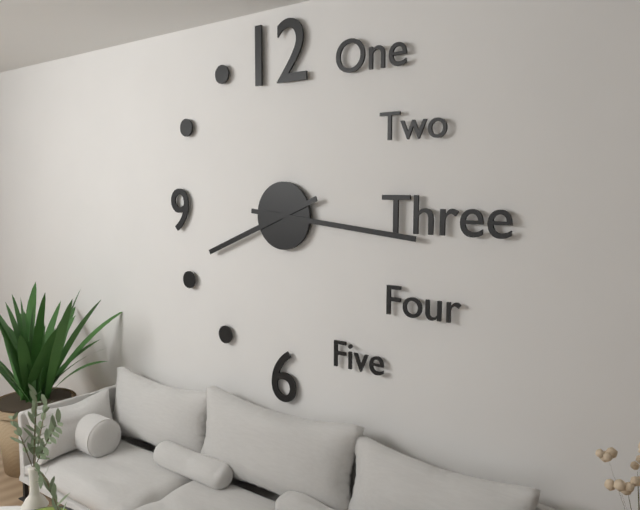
8:16
